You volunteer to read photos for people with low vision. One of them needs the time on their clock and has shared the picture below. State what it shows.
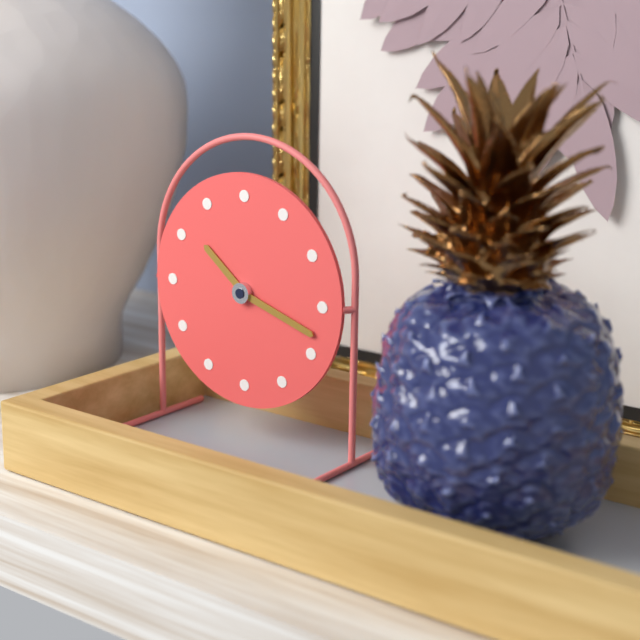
10:18
